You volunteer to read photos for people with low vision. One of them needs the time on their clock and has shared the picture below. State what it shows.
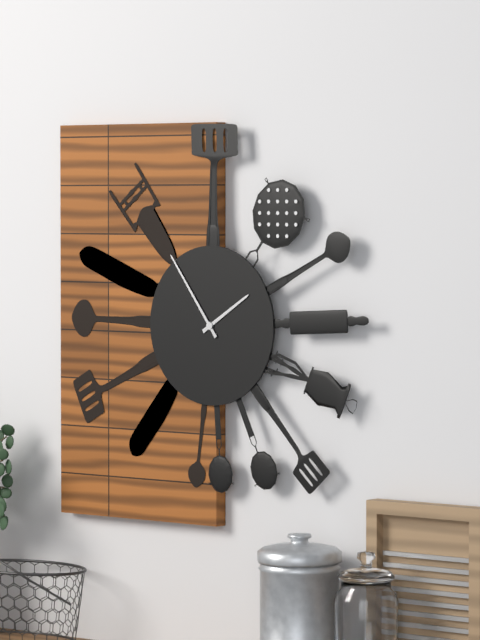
1:54
